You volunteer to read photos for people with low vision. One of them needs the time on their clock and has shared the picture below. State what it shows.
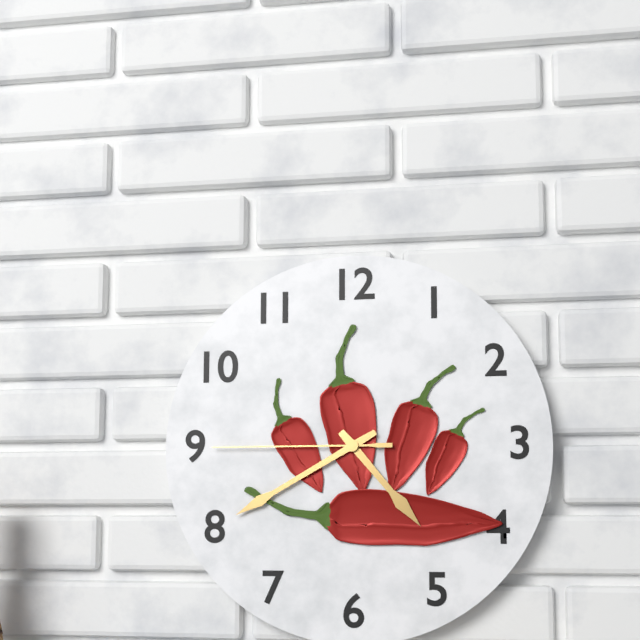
4:40:45
